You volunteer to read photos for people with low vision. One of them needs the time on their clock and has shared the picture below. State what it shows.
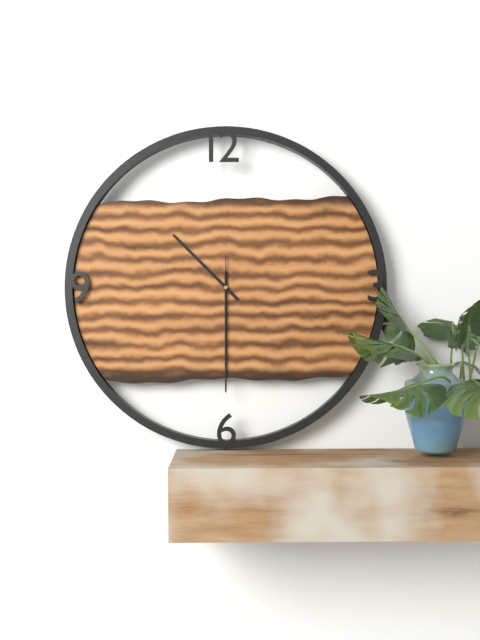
10:30:30
